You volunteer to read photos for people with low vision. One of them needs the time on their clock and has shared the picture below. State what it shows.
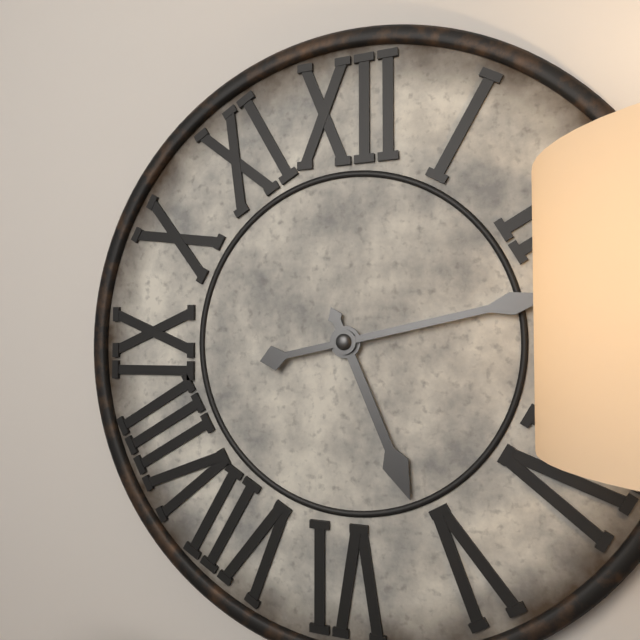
5:13
